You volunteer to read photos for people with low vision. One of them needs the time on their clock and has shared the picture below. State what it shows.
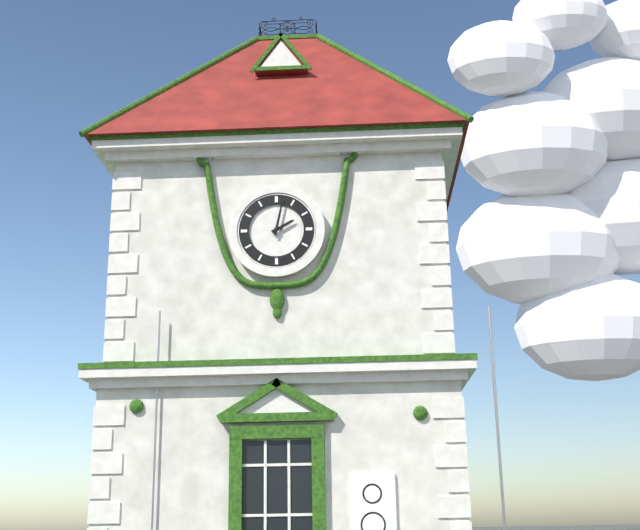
2:02
